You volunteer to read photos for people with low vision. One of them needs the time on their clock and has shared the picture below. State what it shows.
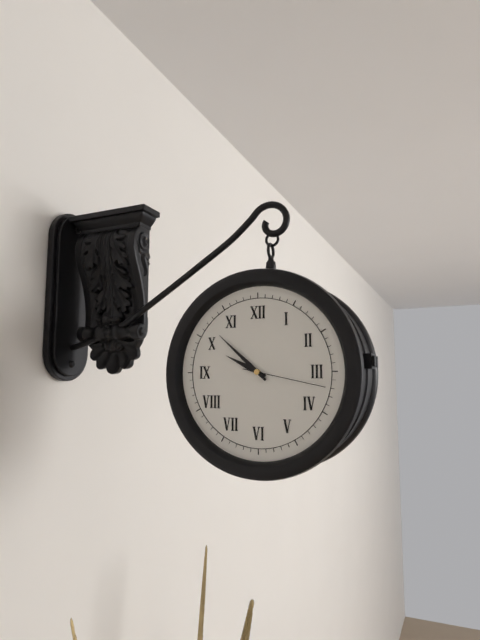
9:52:17
